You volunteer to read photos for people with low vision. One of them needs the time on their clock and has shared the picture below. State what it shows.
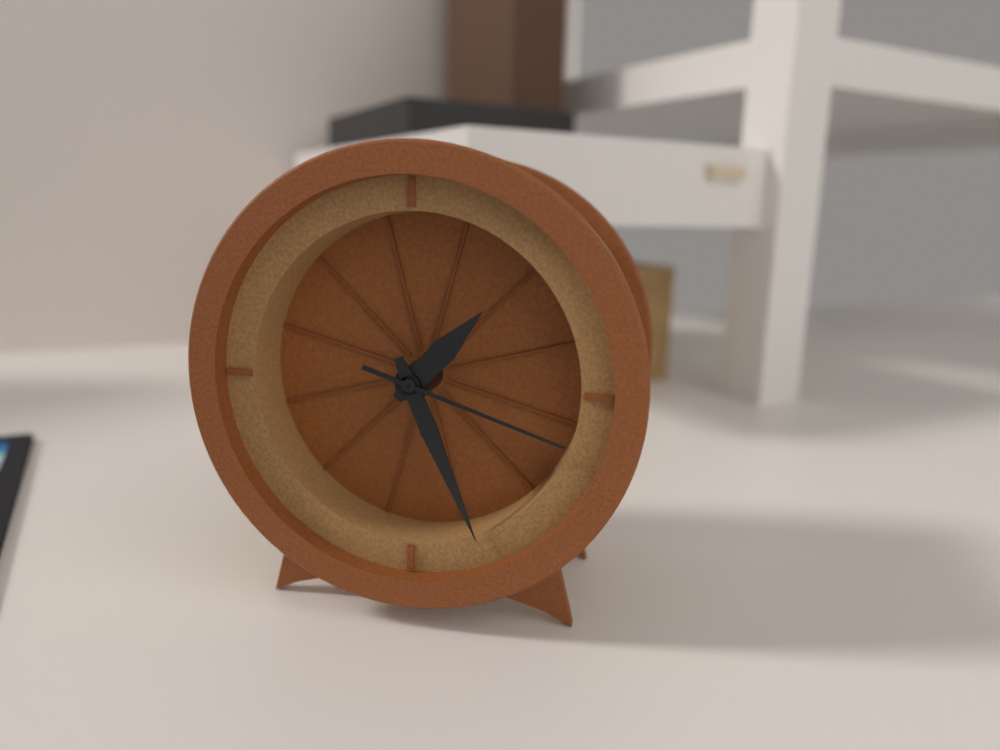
1:26:18
